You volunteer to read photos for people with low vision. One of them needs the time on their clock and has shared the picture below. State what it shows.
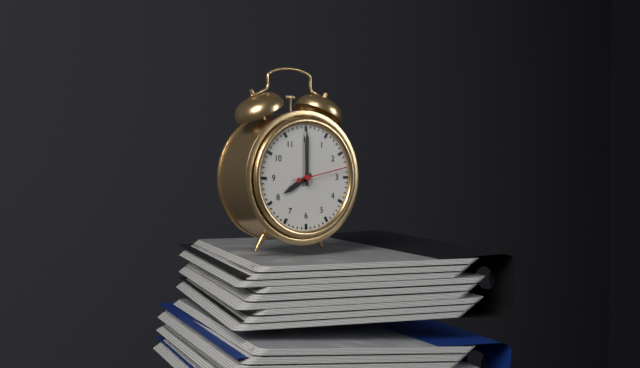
8:00:13
